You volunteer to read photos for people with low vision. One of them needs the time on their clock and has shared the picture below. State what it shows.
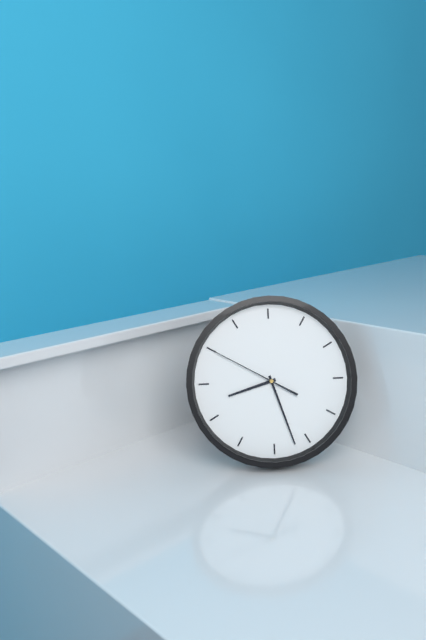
8:27:50
